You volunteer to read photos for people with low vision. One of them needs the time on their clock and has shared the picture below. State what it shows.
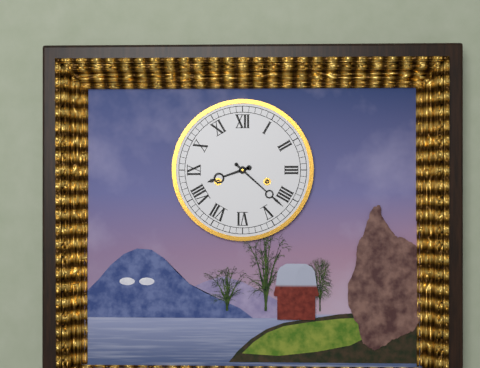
8:22
